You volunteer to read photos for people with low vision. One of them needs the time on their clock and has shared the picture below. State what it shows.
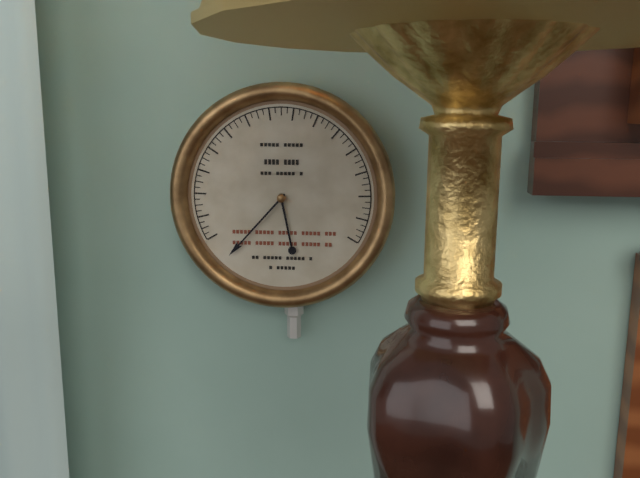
5:37
